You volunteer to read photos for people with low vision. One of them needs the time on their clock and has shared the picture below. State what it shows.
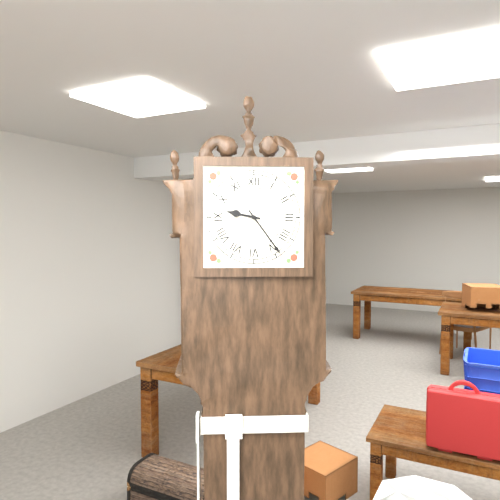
9:24
